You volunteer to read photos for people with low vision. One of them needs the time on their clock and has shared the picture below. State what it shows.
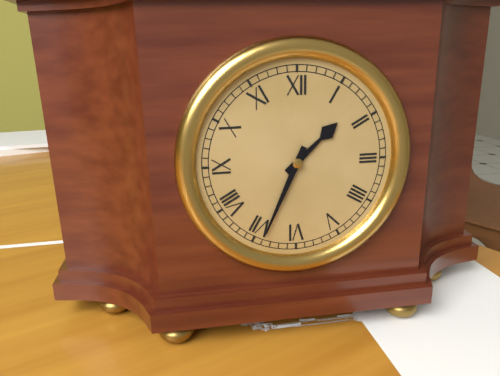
1:34
